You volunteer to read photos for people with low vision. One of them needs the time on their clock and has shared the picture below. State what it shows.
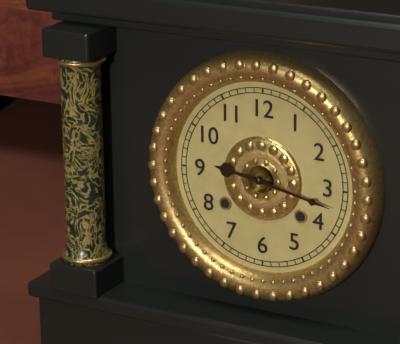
9:17
